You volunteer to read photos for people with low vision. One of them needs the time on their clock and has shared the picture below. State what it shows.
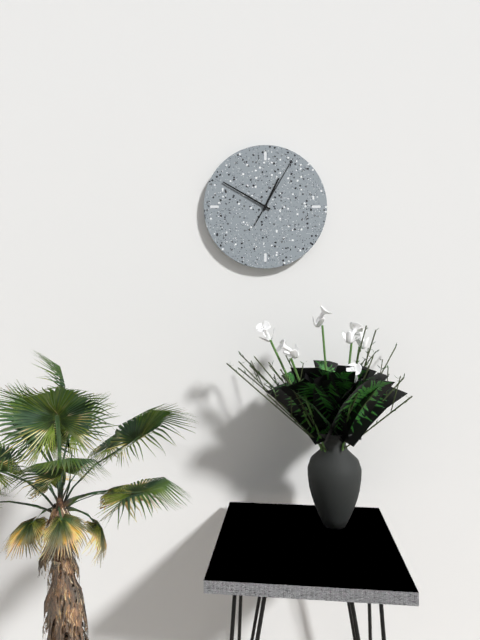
12:50:05
